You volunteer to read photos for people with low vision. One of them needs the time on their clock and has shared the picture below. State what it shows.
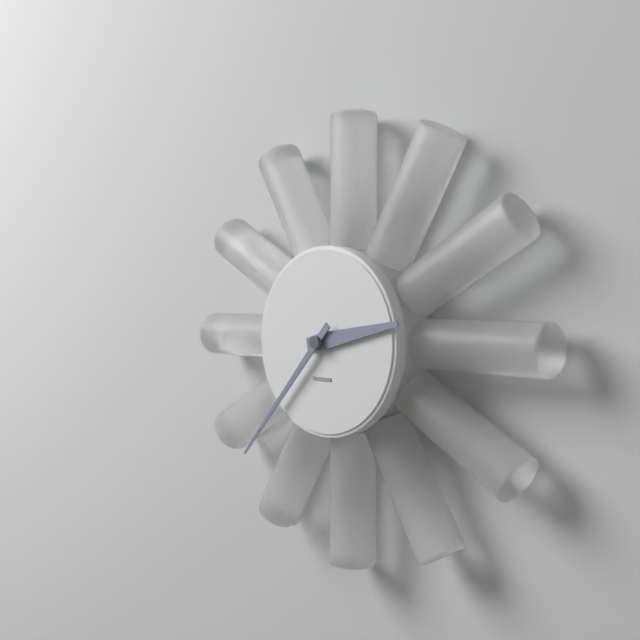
2:37
